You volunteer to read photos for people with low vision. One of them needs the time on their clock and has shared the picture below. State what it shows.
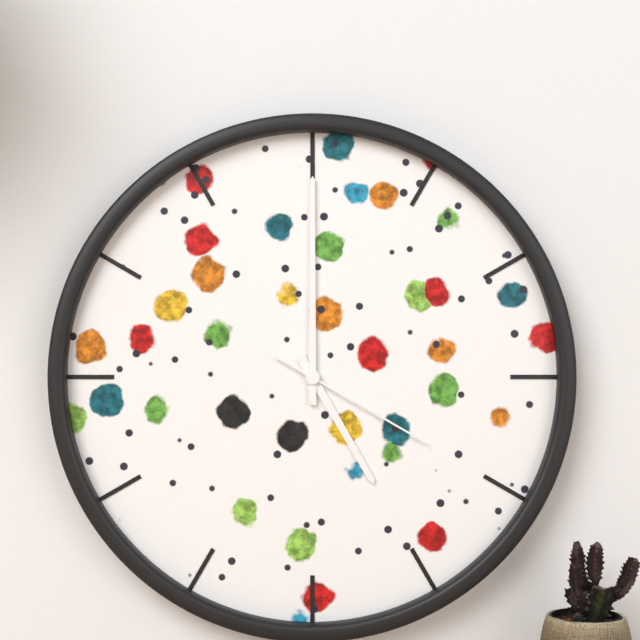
5:00:20
